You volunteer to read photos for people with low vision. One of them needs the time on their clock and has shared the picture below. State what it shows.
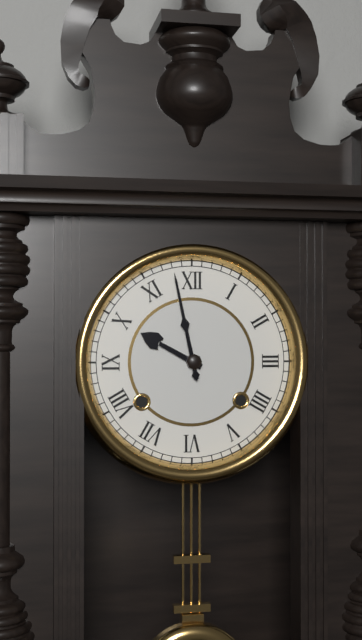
9:58
